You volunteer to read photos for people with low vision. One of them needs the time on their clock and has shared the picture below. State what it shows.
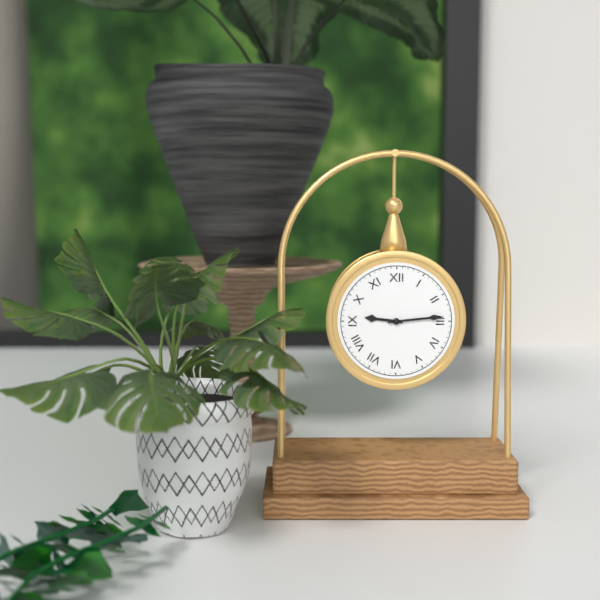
9:14
